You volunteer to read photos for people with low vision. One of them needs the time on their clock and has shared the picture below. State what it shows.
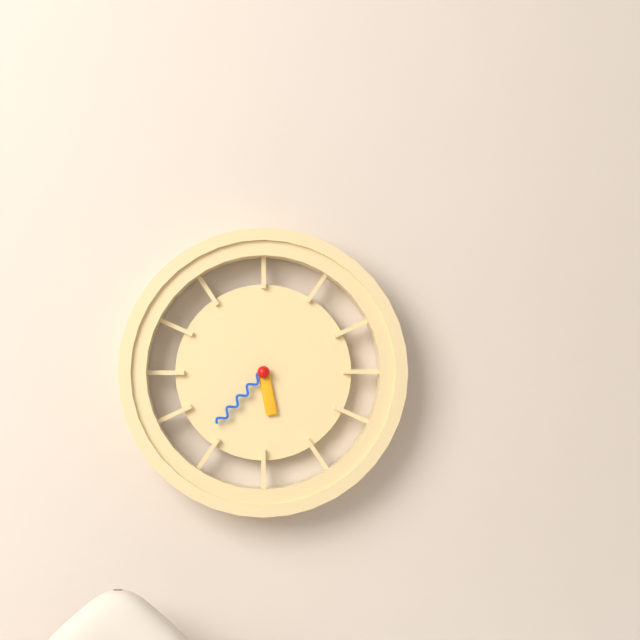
5:37
